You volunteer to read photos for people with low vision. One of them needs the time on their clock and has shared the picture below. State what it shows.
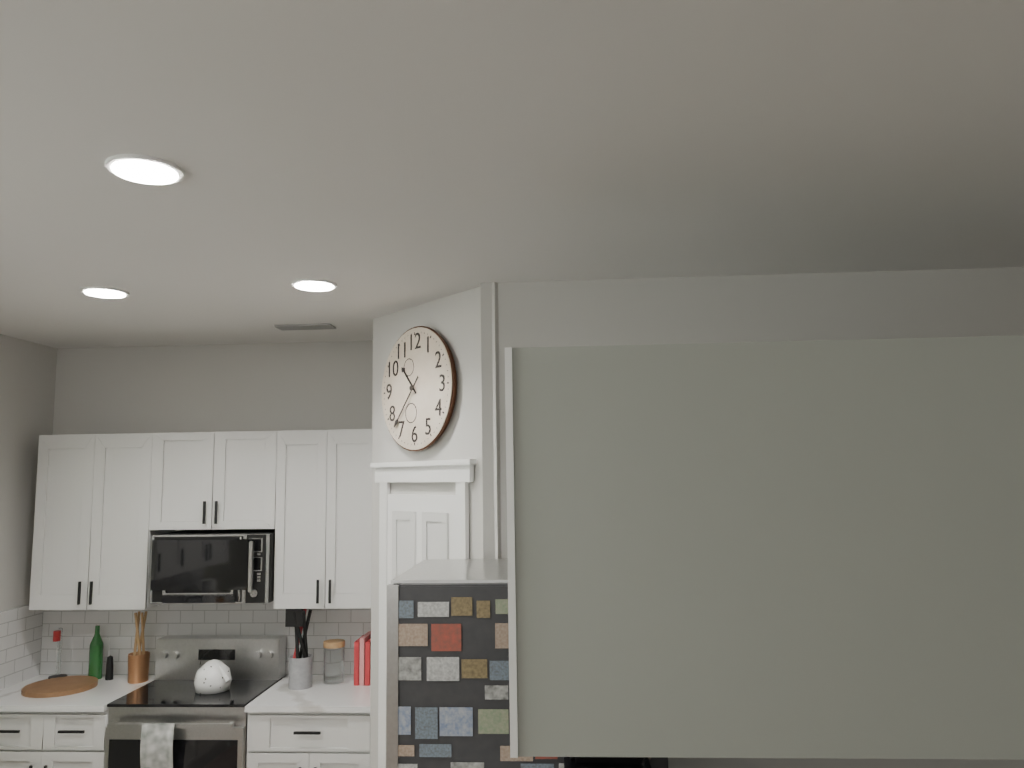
10:37
